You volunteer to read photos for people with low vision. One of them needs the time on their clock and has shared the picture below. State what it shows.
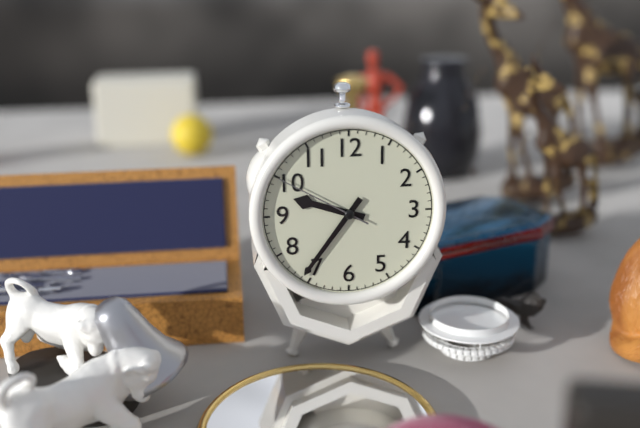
9:36:50
